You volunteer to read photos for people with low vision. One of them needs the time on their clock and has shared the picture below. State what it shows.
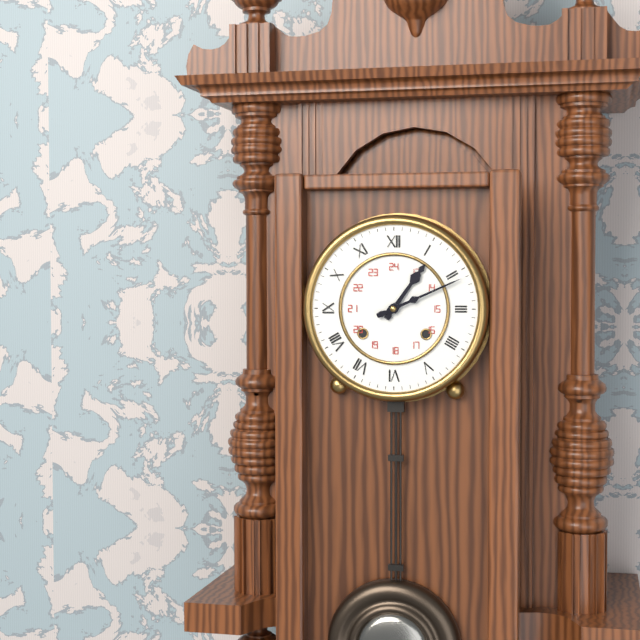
1:11
